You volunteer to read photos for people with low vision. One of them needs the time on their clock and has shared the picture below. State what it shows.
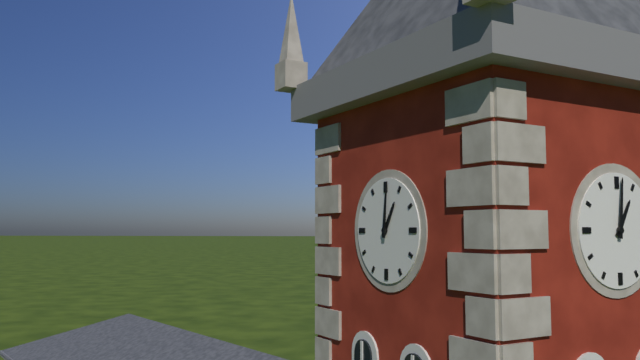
1:01
